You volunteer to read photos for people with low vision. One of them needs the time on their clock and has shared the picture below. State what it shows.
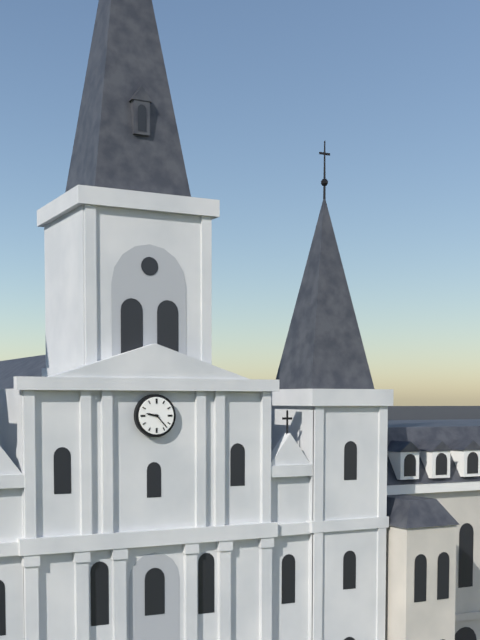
9:23
